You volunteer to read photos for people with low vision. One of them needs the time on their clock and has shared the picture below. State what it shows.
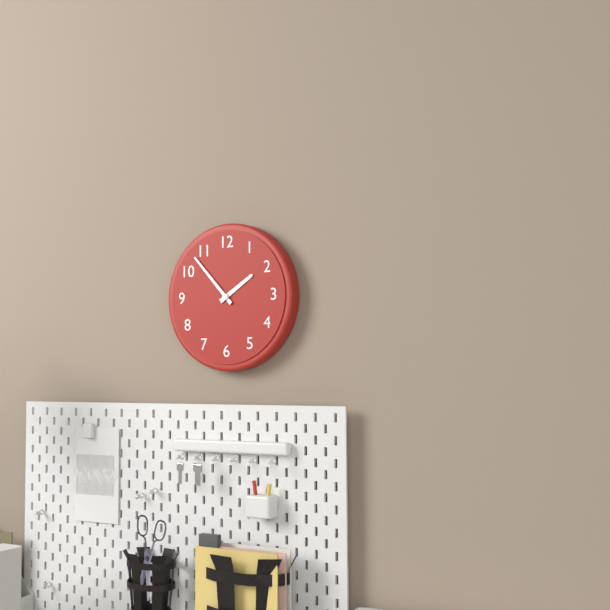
1:53
